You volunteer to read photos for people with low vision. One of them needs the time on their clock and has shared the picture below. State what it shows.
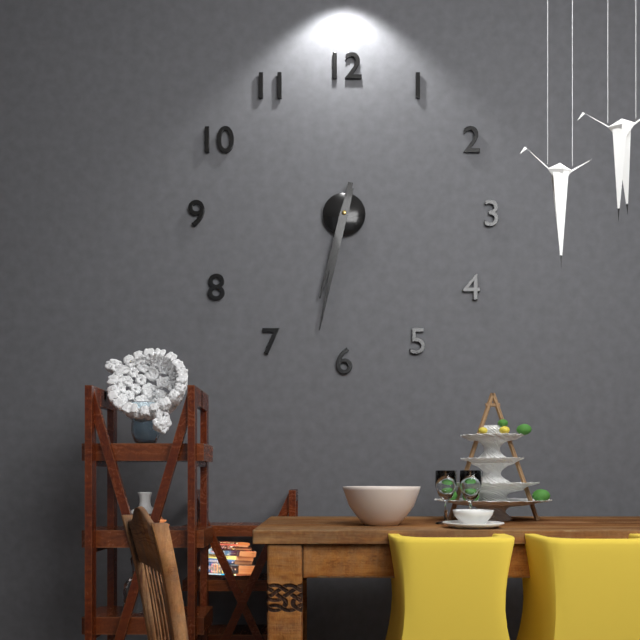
6:32
